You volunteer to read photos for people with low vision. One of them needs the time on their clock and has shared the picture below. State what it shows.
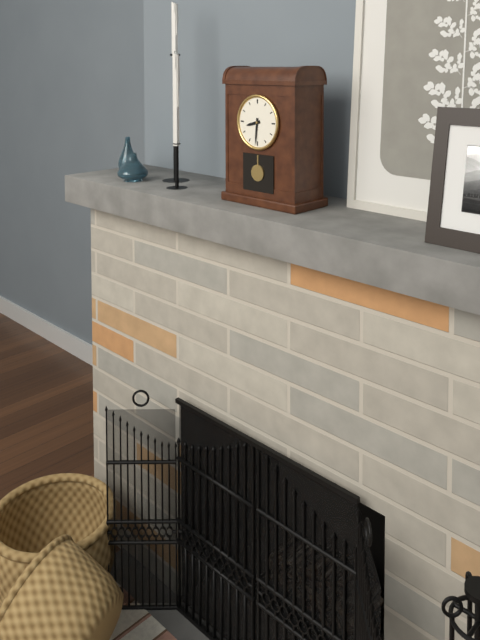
8:31
